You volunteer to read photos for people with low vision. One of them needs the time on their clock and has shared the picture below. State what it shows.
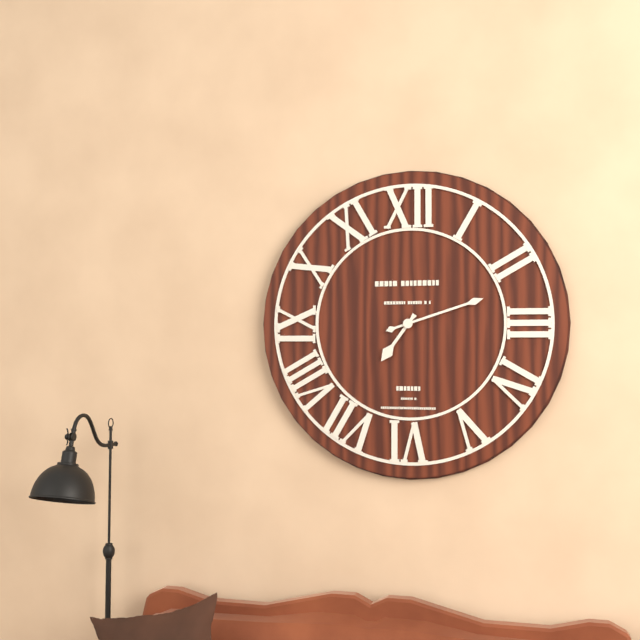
7:12
